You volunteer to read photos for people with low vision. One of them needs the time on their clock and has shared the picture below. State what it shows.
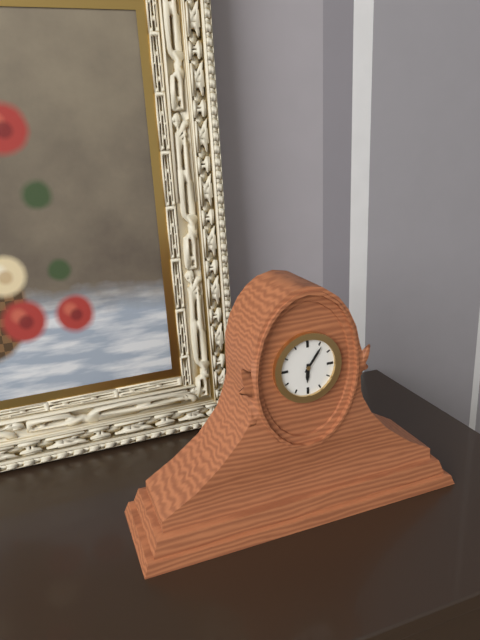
6:06
